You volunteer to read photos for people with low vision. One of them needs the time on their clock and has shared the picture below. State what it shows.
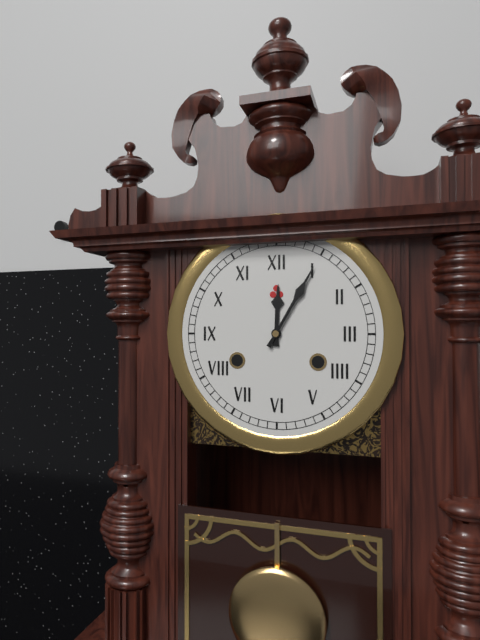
12:05
